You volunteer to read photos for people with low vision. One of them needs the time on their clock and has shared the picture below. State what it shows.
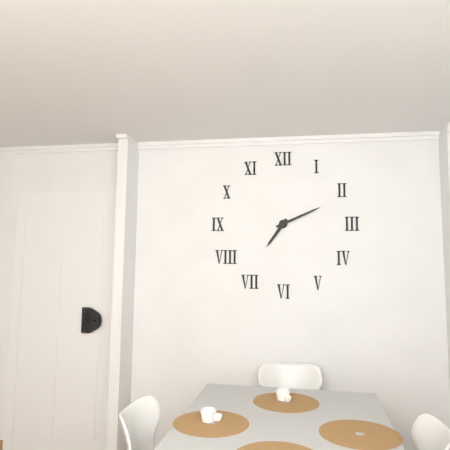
7:11
